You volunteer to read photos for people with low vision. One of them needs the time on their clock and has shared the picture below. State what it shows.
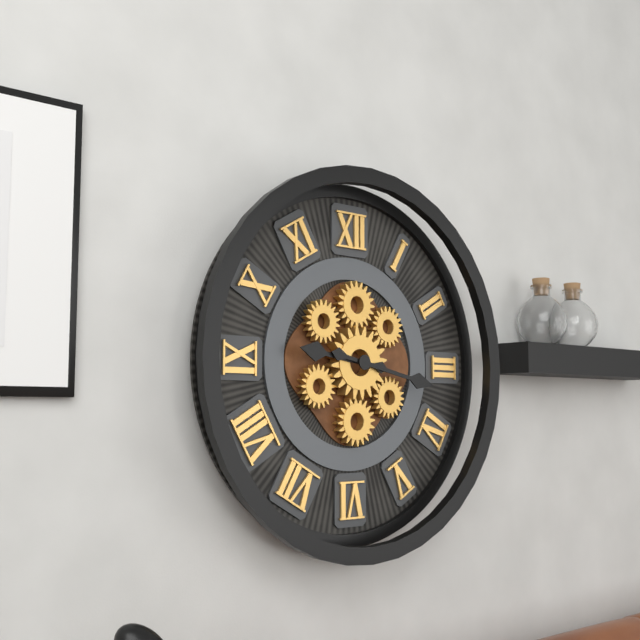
9:17
